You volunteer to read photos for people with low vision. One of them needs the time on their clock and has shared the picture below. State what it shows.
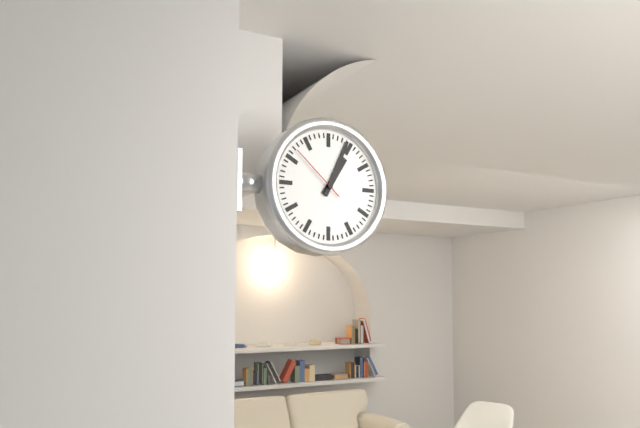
1:04:52
